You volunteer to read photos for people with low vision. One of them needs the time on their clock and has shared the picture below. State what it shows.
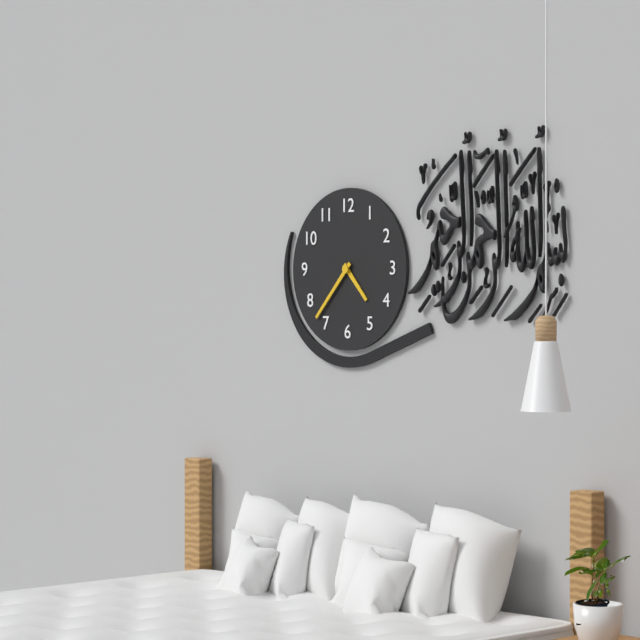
4:37
